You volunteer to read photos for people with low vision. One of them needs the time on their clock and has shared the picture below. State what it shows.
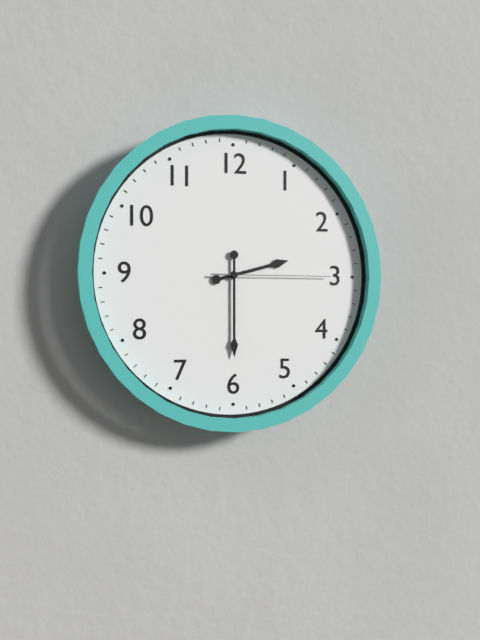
2:30:15
